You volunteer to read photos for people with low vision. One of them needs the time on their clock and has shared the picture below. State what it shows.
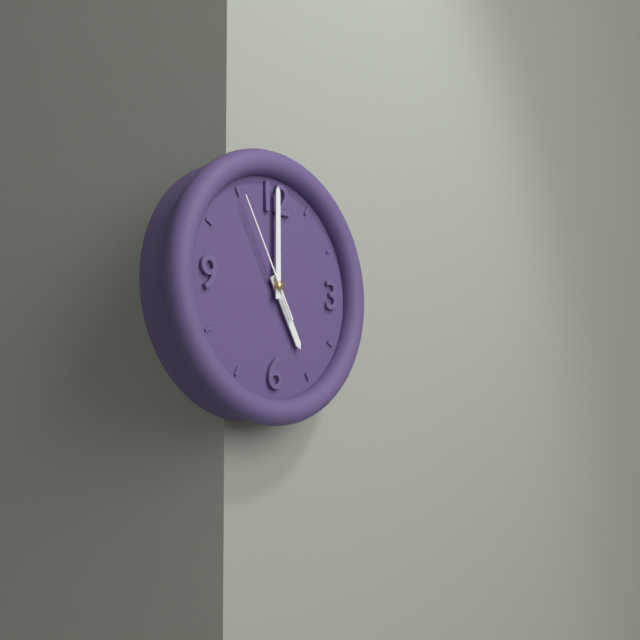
5:00:55
